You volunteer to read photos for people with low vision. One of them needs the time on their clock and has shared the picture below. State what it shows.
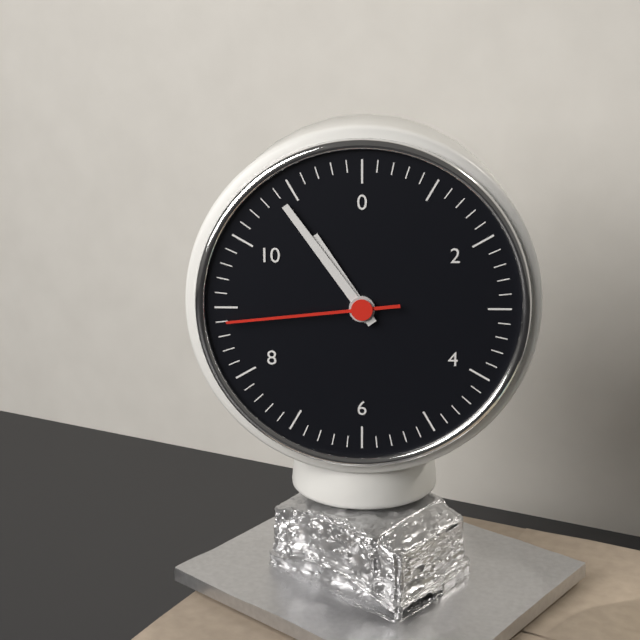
10:54:44
